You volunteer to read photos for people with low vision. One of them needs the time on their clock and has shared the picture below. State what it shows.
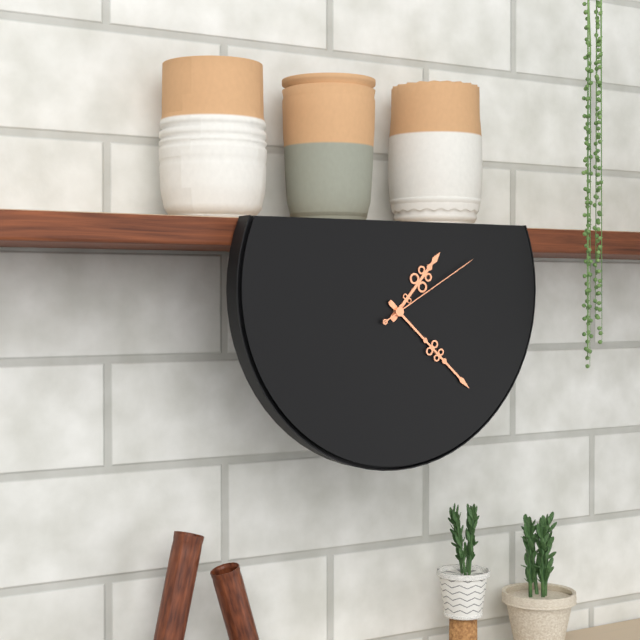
1:22:10
